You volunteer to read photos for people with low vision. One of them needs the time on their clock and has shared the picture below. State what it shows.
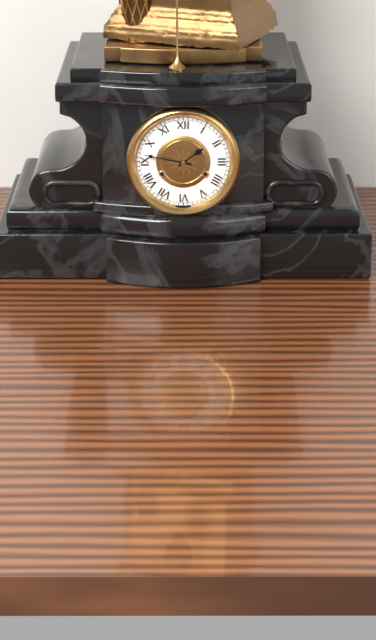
1:47
